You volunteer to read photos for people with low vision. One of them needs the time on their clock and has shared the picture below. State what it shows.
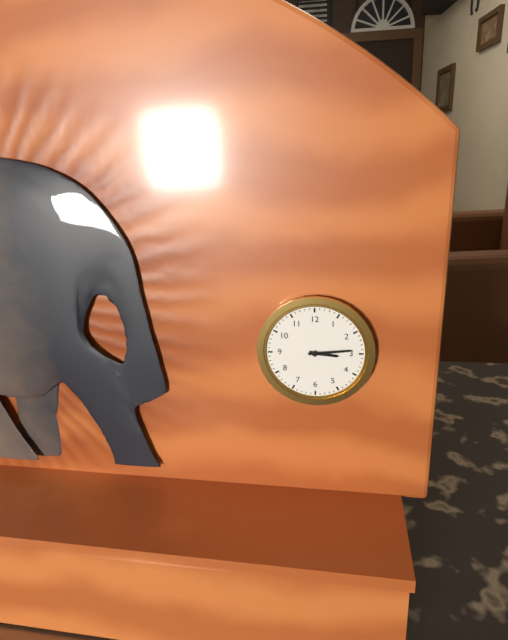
3:14
